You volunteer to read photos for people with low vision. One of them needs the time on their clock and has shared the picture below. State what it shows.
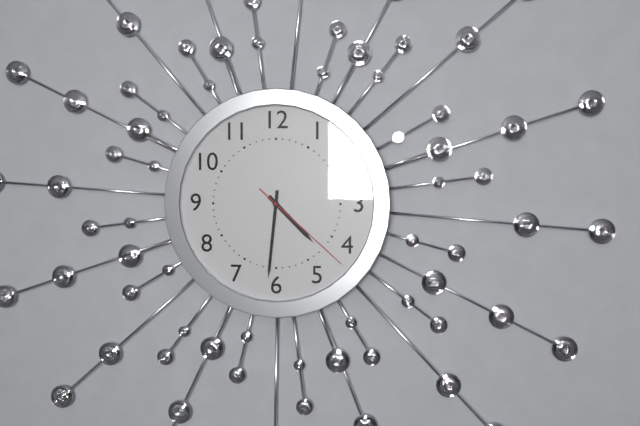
4:31:22
